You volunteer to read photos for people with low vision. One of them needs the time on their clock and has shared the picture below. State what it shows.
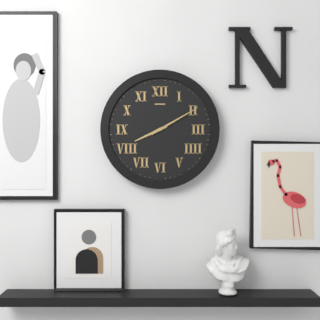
8:10
